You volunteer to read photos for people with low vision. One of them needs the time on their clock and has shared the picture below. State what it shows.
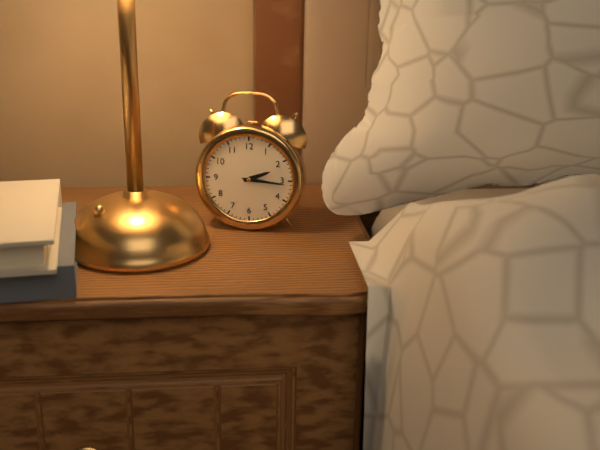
2:16
